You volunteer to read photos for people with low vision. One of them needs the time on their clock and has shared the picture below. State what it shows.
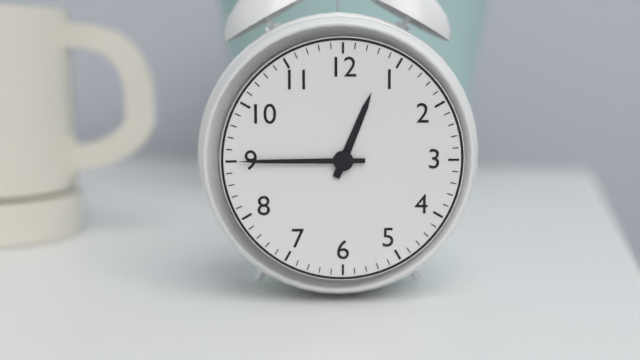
12:45
